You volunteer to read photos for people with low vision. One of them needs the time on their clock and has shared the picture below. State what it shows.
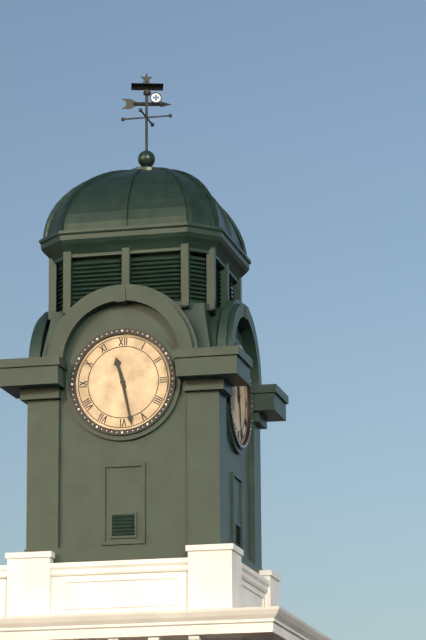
11:28
